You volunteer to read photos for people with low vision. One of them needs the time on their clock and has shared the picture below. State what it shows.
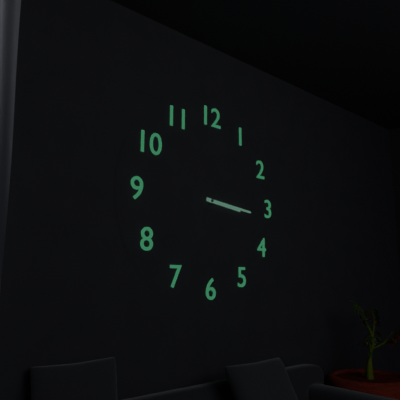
3:16
